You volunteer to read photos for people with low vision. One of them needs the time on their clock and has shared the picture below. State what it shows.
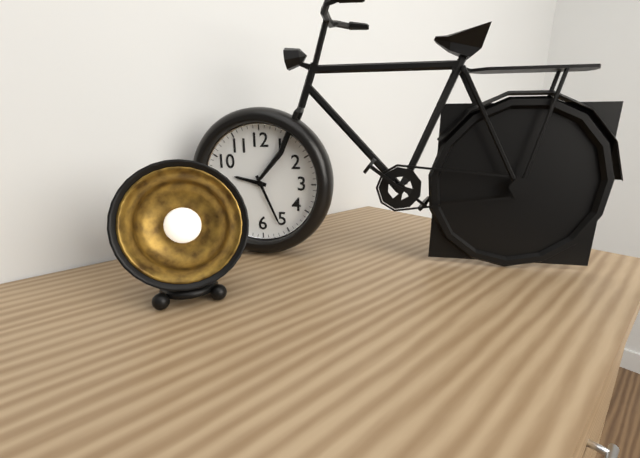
9:26
